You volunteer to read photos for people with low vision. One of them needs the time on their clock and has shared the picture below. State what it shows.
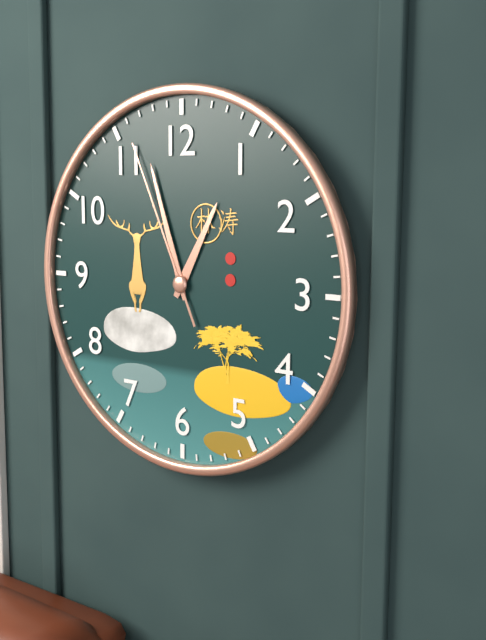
12:57:56
